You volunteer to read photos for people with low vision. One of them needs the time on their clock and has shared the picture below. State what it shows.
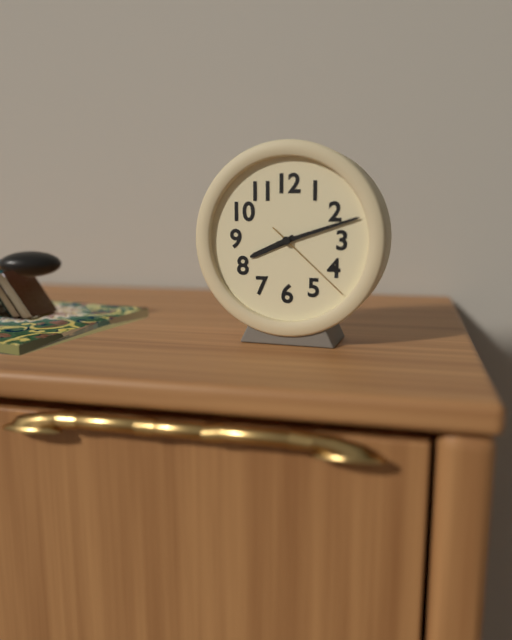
8:12:22
